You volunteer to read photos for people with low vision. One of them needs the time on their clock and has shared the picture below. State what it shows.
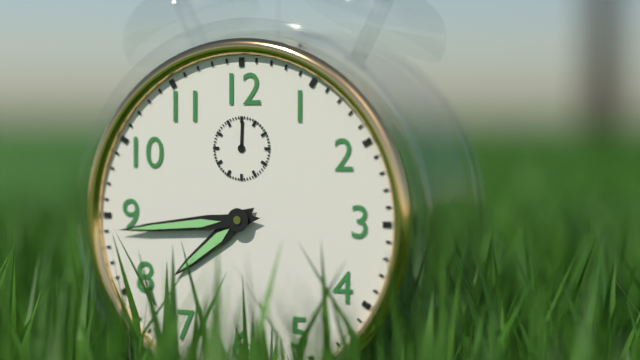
7:44
